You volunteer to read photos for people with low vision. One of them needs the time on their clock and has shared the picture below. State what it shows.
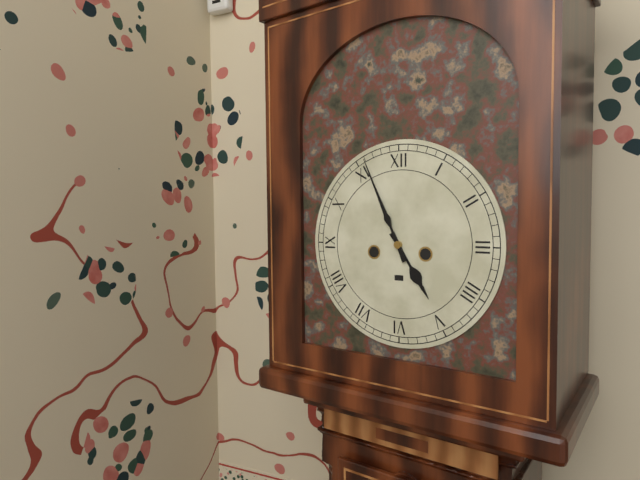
4:56
